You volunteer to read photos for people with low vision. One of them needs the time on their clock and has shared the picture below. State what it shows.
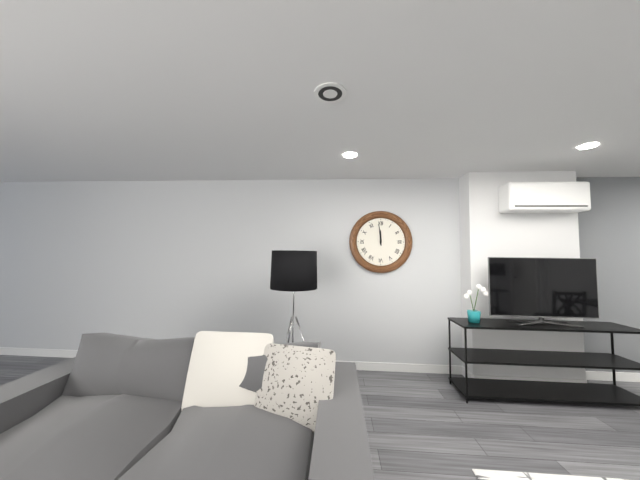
11:59
